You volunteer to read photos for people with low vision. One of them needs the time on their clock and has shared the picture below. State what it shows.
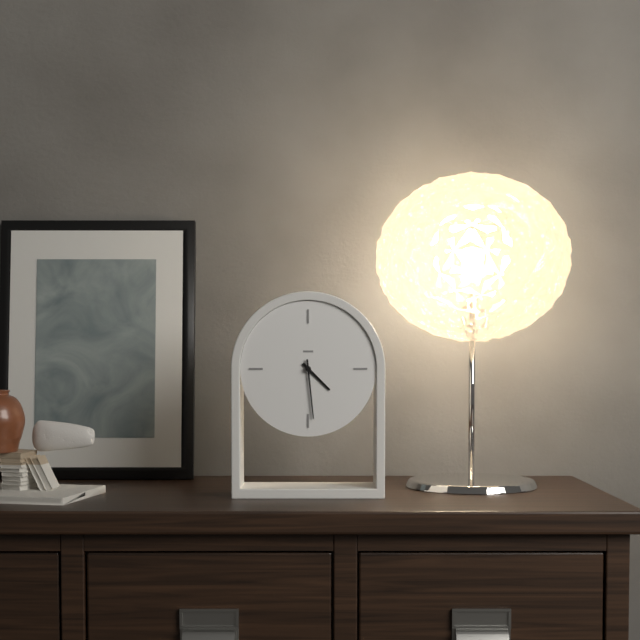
4:29
